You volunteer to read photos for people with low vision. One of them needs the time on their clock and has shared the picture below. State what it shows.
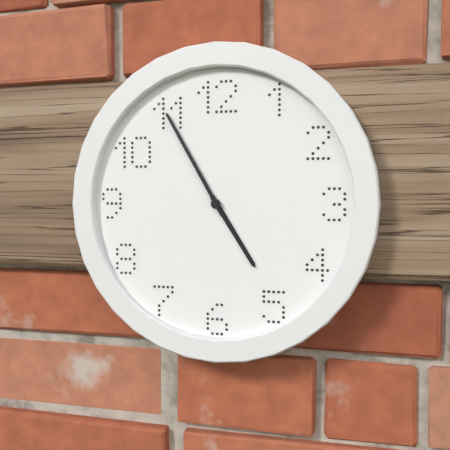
4:55
